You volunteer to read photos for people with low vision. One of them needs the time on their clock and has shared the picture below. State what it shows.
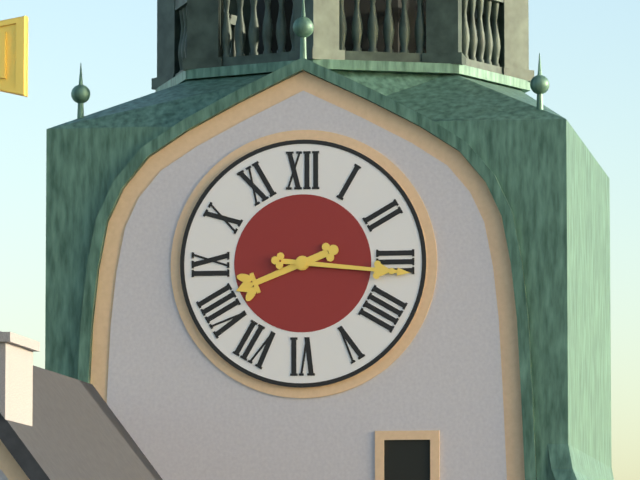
8:16
